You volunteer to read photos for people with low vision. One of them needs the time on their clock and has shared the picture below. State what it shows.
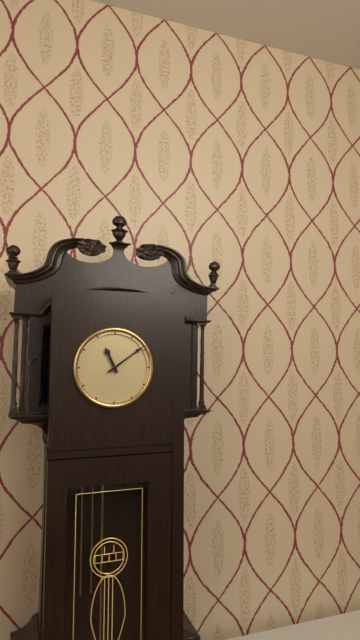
11:09
